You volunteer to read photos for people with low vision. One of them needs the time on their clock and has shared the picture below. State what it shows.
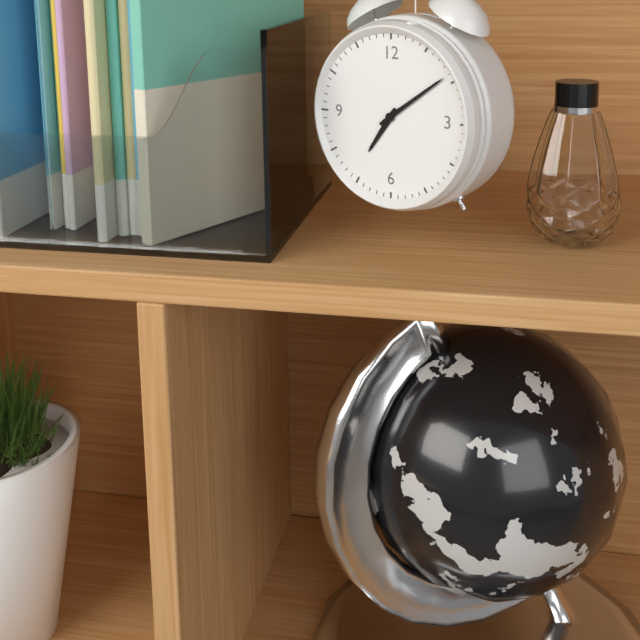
7:09
